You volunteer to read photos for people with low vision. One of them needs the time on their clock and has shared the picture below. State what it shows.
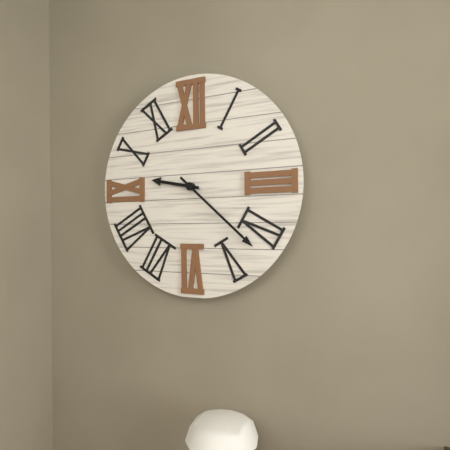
9:22
